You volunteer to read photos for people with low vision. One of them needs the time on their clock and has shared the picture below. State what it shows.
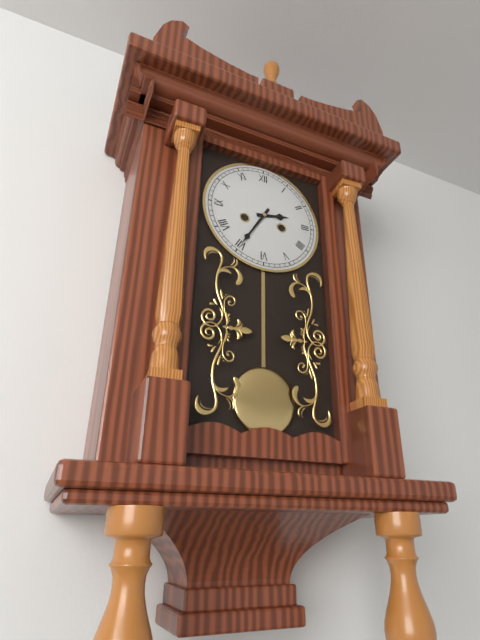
2:35
